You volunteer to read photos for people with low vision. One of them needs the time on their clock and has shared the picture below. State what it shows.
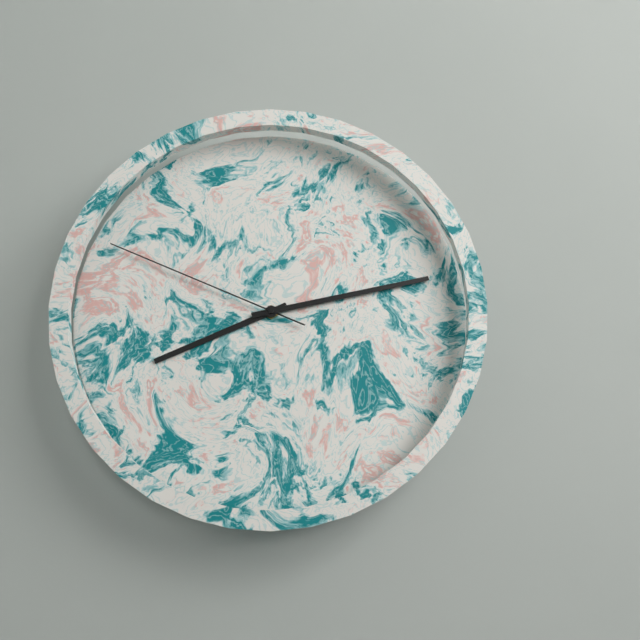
8:13:49
